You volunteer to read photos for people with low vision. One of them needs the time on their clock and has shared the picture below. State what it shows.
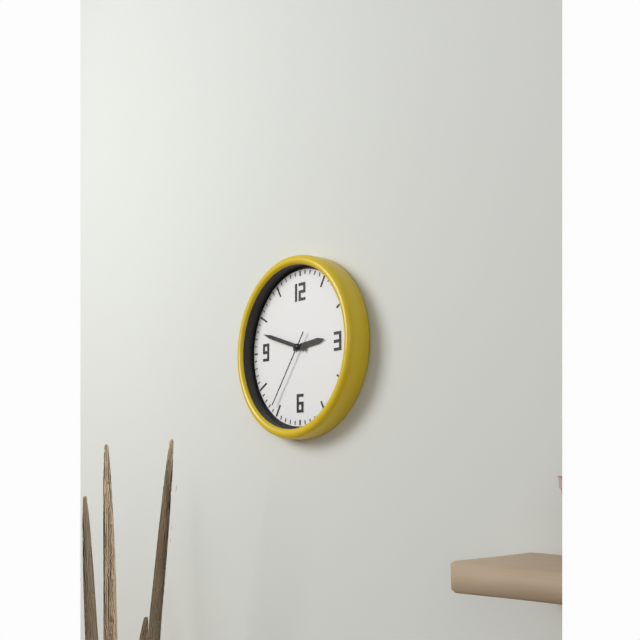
2:48:36
